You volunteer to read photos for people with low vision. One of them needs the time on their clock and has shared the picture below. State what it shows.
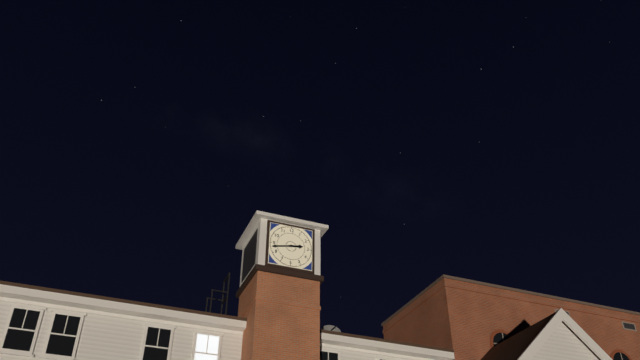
2:43
